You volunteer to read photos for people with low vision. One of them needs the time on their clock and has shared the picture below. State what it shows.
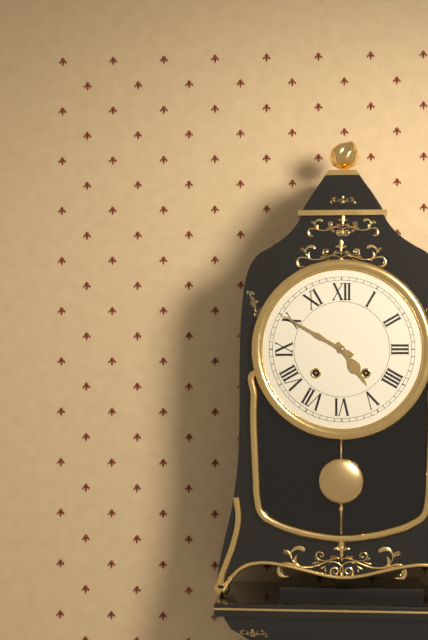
4:50
